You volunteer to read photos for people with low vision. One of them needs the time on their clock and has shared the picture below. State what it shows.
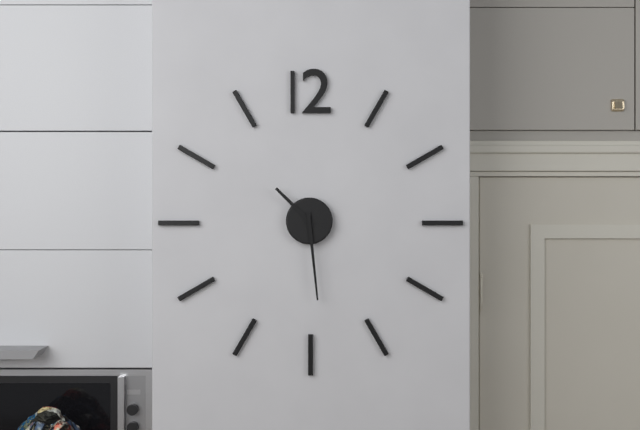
10:29
